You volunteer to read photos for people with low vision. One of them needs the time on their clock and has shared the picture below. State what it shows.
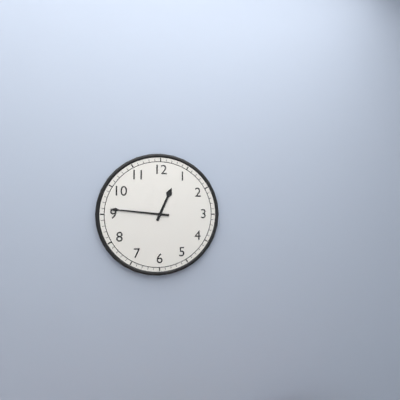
12:46
